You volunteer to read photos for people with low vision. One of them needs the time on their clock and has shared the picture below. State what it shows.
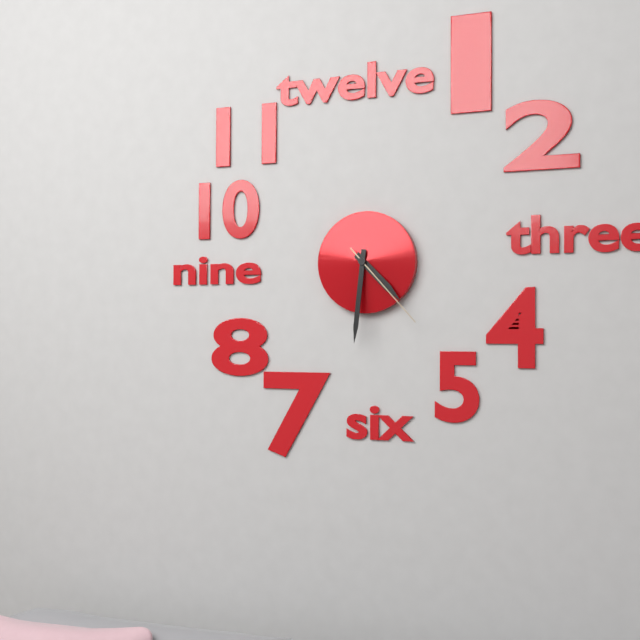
4:31:23
